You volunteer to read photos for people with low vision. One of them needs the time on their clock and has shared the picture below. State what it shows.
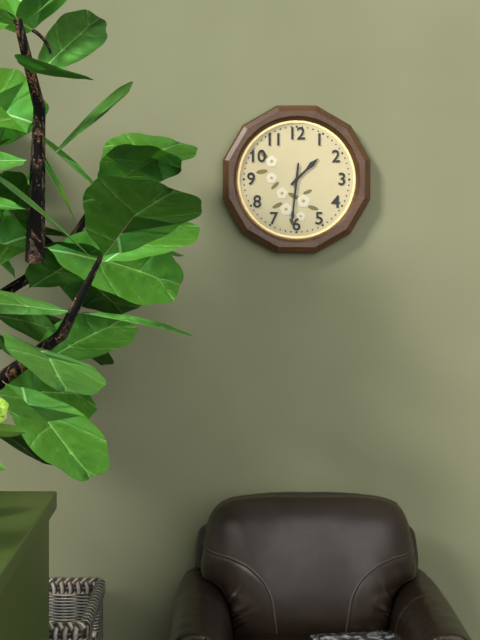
1:31
